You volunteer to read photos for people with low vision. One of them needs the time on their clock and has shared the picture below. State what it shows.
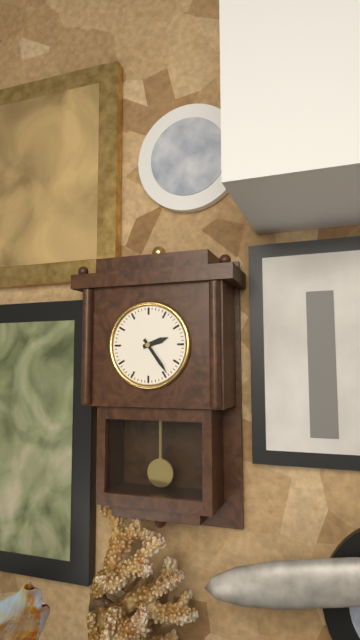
2:24
